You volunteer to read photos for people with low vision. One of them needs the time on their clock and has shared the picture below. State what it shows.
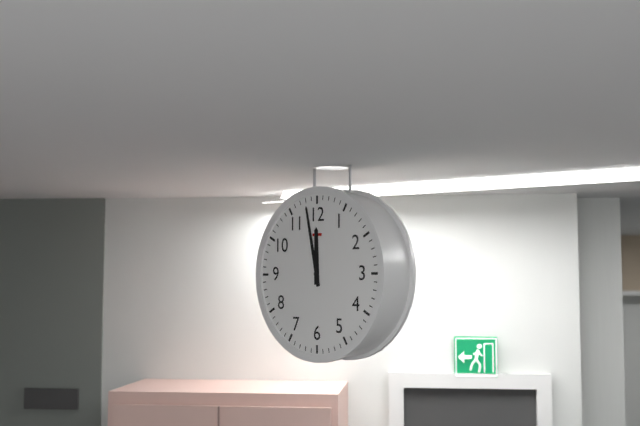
11:58
